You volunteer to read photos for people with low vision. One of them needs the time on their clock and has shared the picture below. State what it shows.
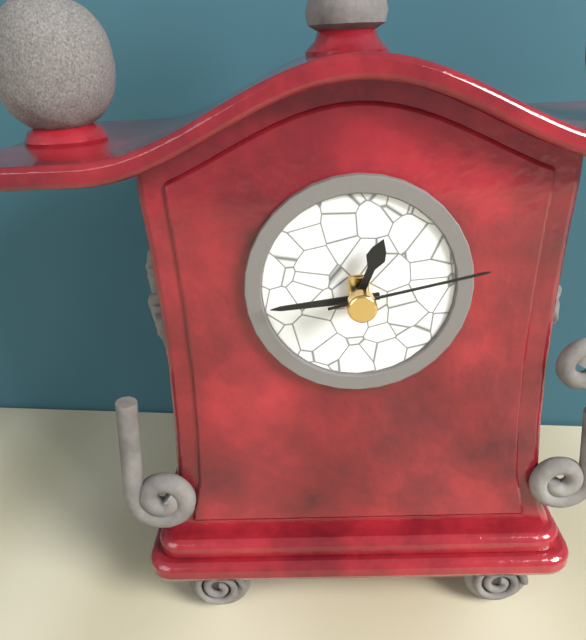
12:44:13
